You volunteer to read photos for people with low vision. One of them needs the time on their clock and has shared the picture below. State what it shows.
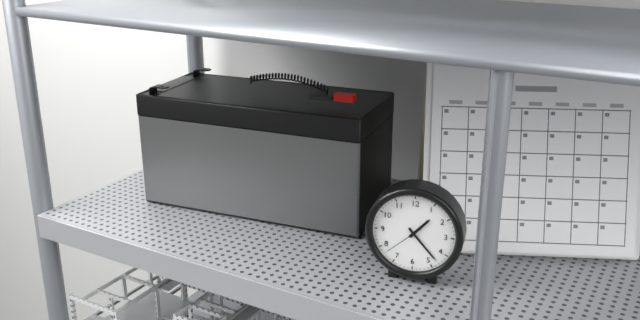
1:23
